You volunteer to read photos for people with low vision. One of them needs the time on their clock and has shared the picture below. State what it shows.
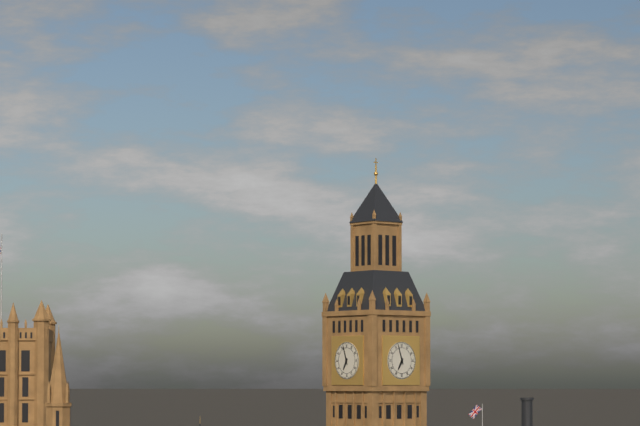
6:57
